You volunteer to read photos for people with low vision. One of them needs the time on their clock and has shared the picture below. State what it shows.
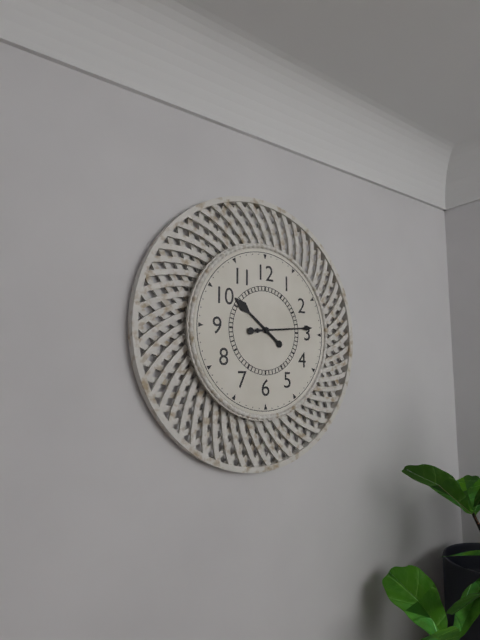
10:14
